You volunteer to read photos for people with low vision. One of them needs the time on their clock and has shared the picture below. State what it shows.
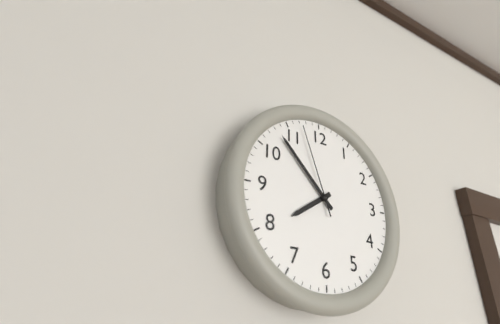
7:53:57
